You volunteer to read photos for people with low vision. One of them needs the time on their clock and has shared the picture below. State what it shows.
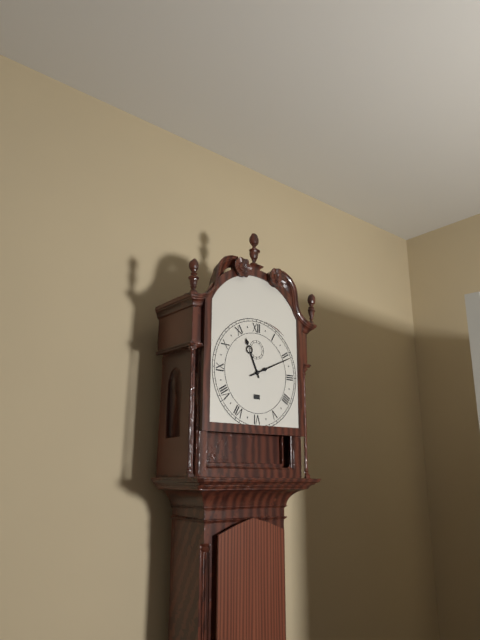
11:11
